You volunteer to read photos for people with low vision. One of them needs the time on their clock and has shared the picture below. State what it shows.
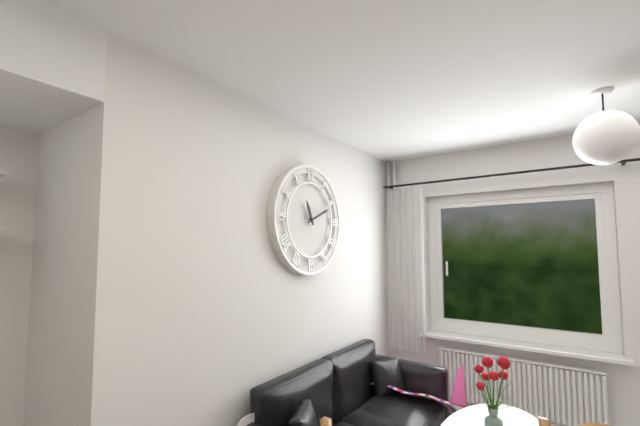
11:11
